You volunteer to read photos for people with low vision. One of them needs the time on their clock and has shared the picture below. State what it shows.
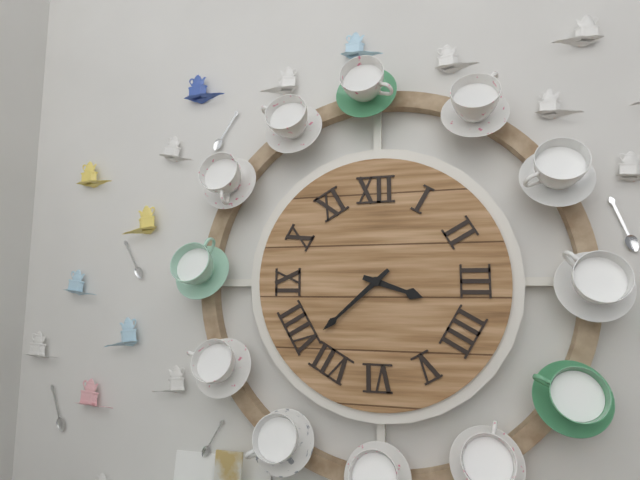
3:38
